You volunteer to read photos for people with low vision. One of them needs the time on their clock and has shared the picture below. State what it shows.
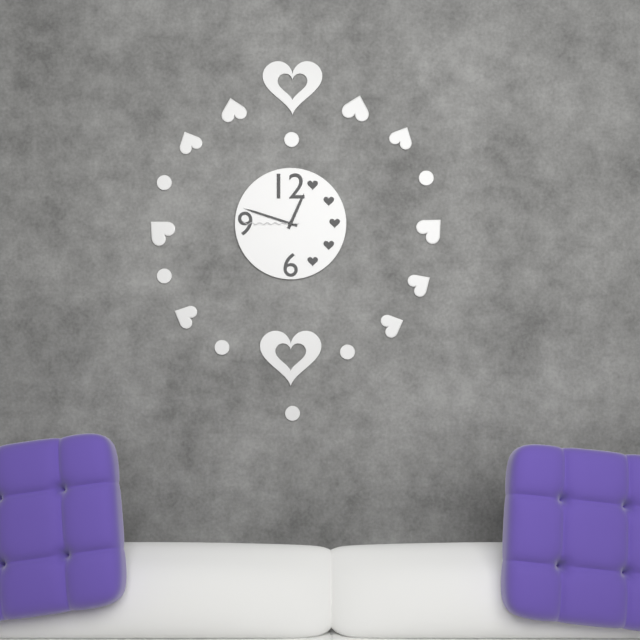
12:48:45
